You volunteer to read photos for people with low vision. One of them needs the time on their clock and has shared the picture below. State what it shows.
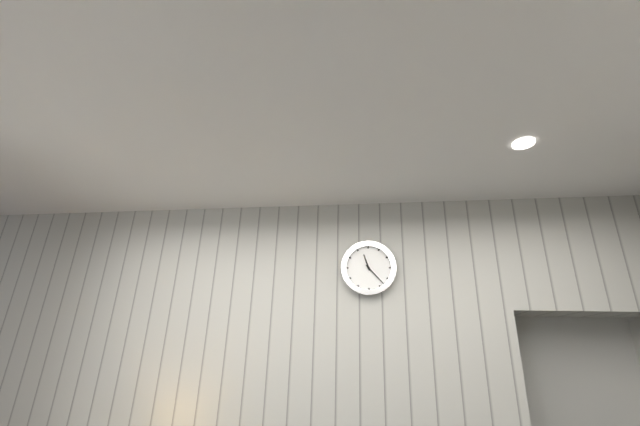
11:23
